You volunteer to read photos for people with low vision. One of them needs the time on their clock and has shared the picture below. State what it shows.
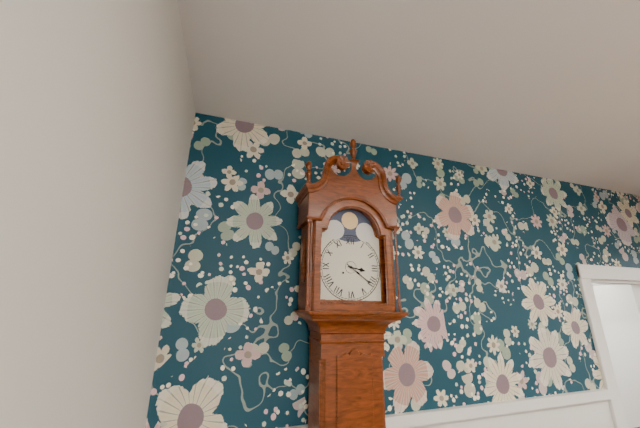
3:21
